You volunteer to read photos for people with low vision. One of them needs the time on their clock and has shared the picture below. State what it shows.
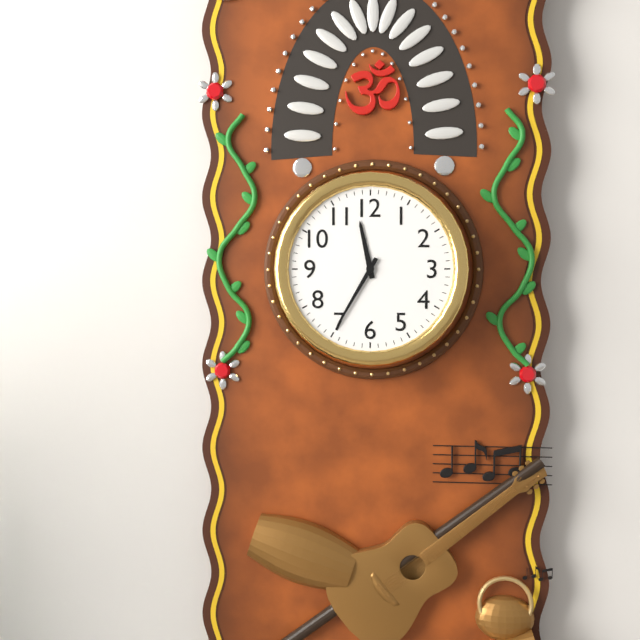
11:35
